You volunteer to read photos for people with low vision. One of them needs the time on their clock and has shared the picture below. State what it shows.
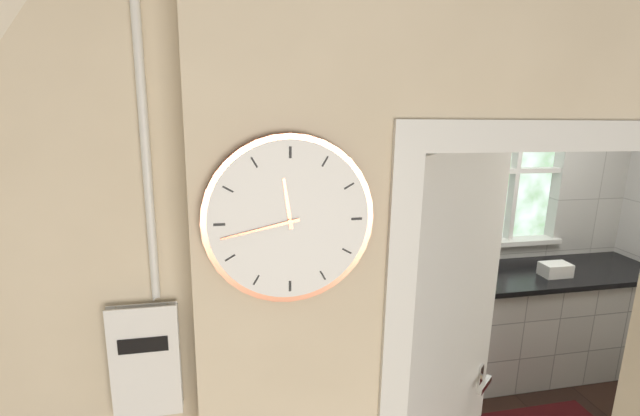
11:43
